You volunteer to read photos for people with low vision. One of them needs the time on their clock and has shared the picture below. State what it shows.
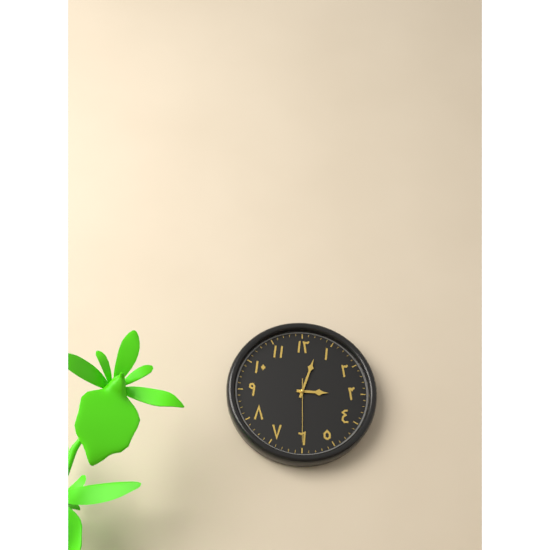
3:03:30
